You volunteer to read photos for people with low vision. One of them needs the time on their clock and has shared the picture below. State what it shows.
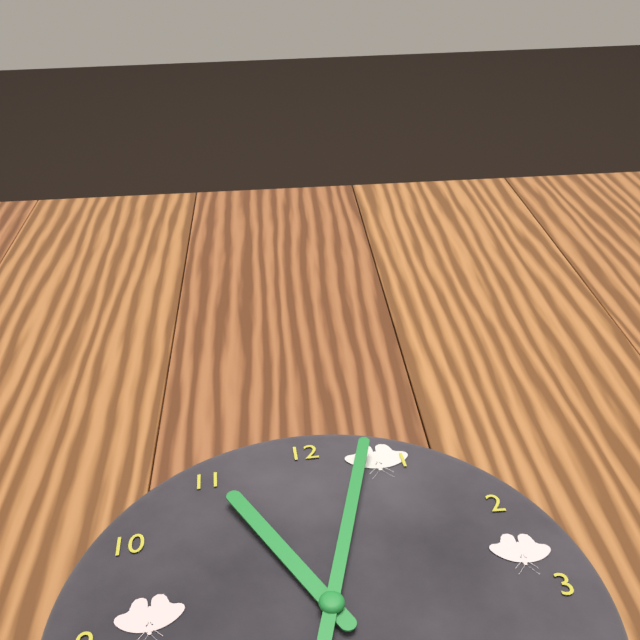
11:03
